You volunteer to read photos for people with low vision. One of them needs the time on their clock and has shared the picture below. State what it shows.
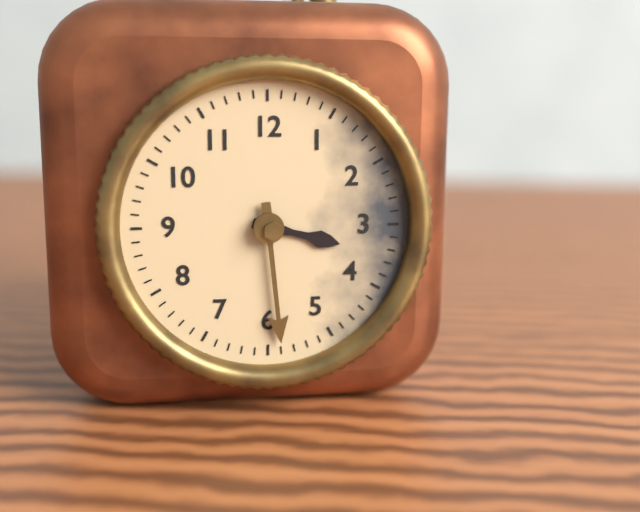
3:29
